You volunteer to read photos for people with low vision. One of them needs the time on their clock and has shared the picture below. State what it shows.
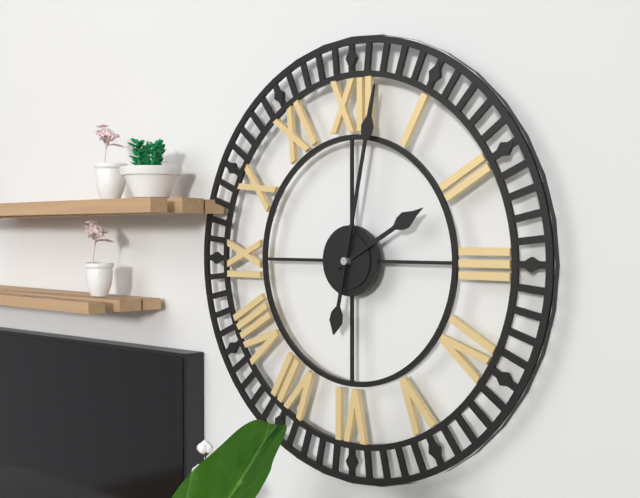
2:02
